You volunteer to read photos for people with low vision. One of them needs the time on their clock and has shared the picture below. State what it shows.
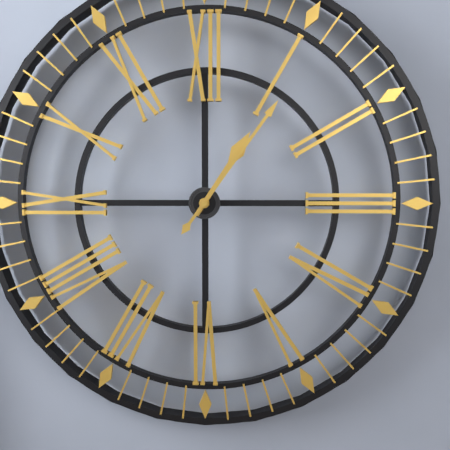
1:06
